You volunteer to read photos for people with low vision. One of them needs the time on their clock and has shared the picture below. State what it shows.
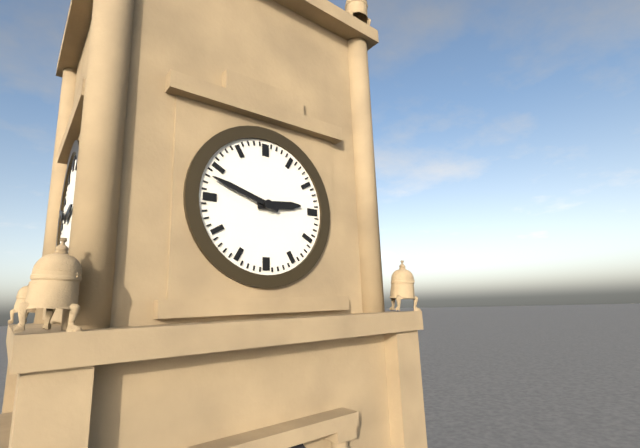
2:48
